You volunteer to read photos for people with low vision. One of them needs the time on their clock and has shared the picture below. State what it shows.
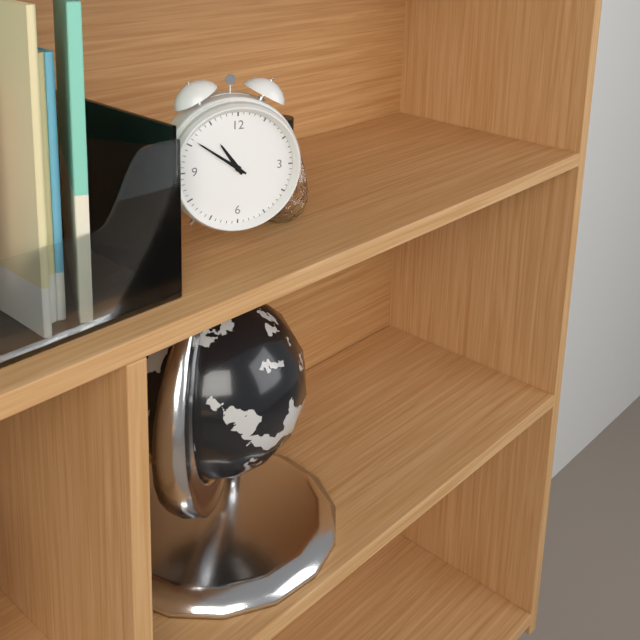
10:51
